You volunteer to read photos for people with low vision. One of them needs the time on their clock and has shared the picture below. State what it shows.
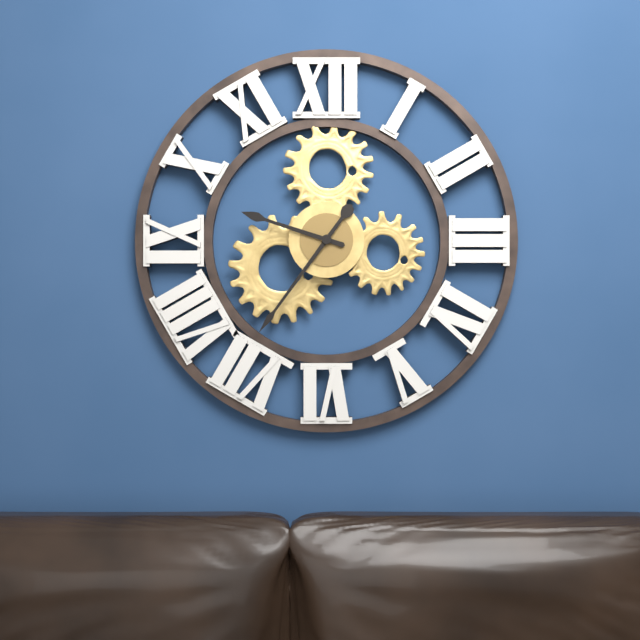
9:36
